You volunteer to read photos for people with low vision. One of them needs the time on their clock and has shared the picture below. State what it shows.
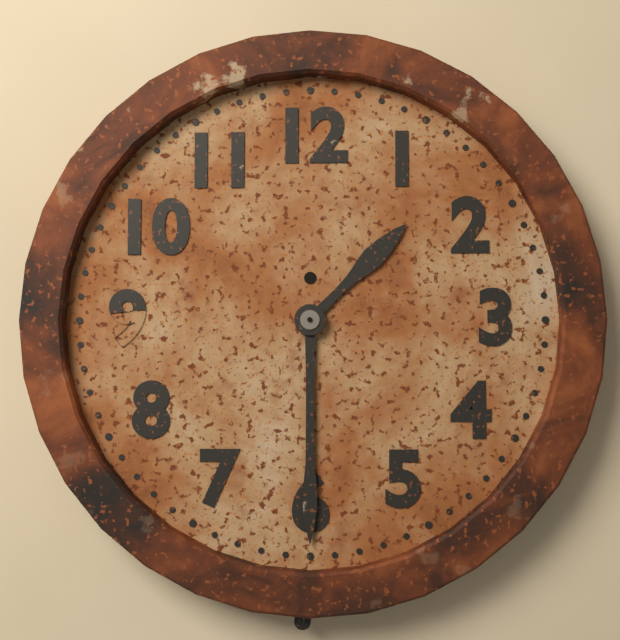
1:30
